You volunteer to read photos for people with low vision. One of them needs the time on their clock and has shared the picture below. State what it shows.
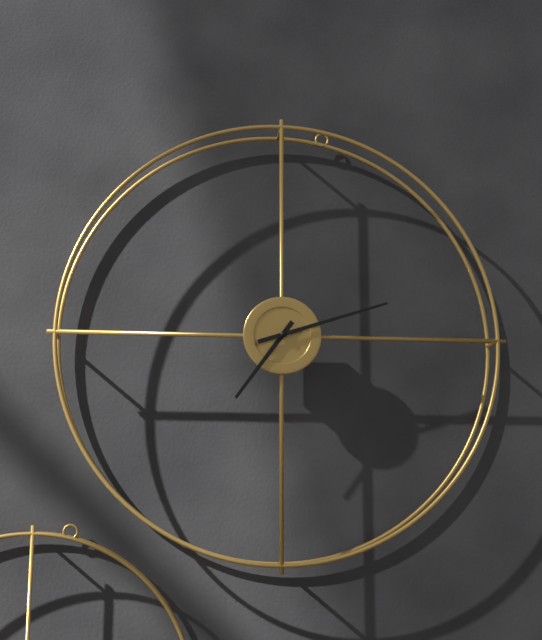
7:12
